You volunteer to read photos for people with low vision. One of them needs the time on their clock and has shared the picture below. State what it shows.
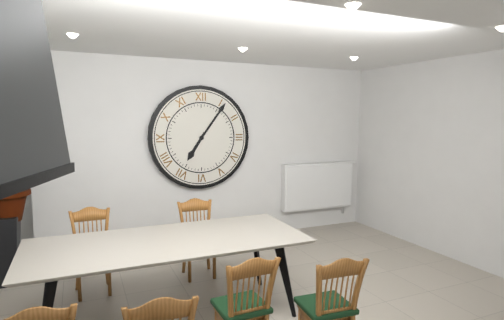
7:06
